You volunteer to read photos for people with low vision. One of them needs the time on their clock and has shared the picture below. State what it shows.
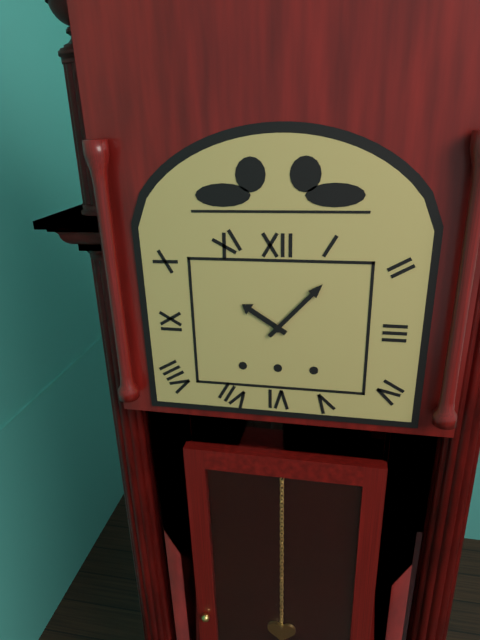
10:07
